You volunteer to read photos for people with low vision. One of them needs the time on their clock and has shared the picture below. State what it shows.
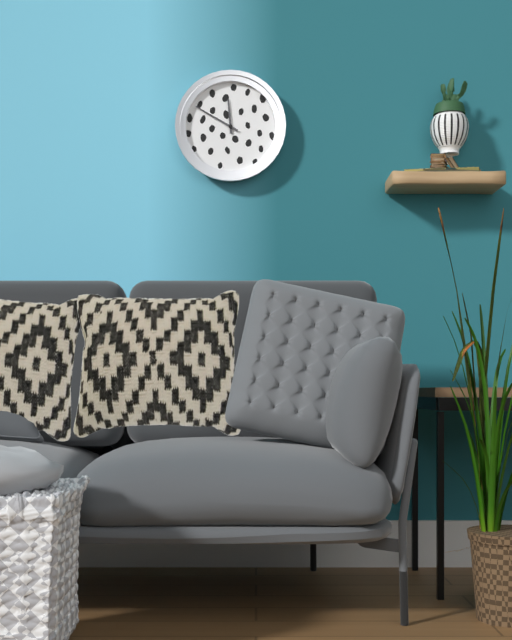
11:50
